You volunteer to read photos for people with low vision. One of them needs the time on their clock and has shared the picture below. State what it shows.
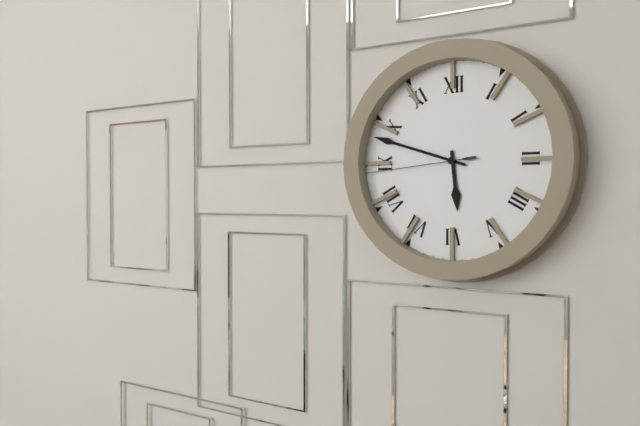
5:48:44
